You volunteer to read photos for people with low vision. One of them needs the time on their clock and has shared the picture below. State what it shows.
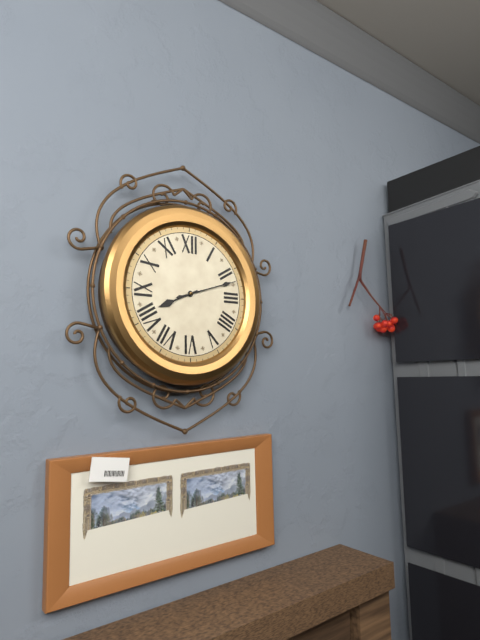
8:12
